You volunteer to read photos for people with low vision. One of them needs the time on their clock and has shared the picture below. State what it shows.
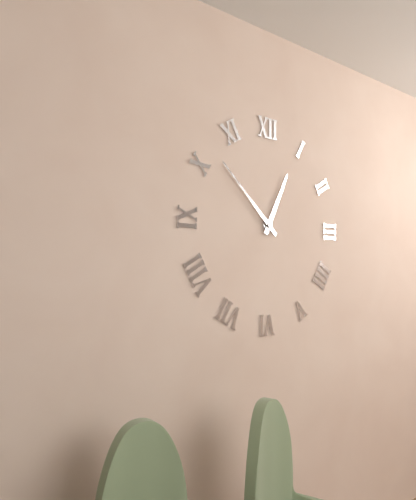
12:52
